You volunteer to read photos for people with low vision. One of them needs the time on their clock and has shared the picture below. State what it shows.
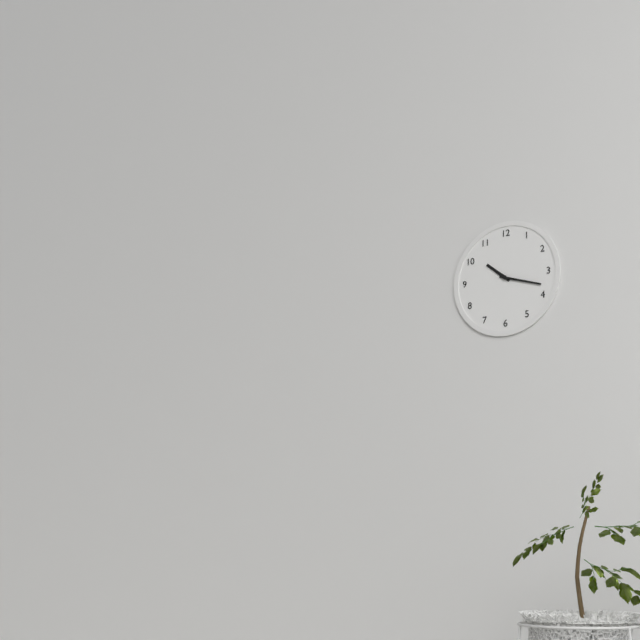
10:18
